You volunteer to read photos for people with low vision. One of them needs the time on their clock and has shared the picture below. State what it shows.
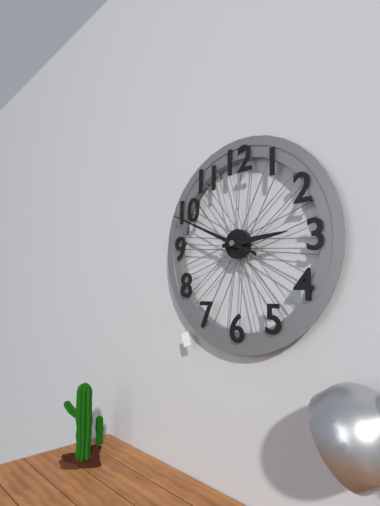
2:49
